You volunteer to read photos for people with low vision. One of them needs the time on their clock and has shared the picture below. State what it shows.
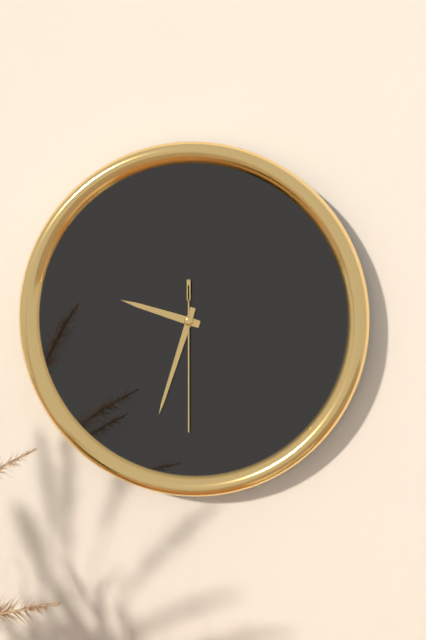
9:33:30
